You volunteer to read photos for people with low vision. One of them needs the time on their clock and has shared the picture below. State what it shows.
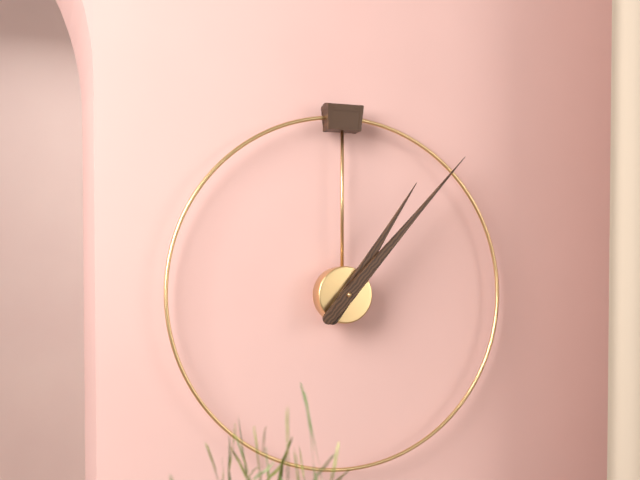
1:07
